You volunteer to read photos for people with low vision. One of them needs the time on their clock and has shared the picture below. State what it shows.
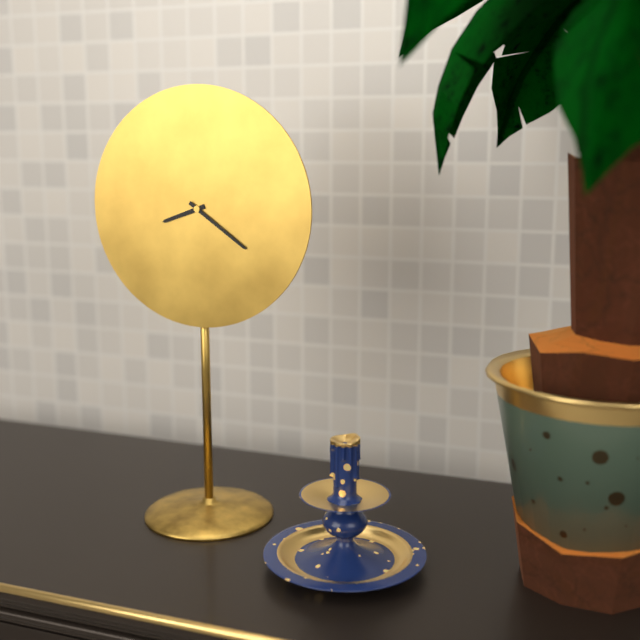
8:21
